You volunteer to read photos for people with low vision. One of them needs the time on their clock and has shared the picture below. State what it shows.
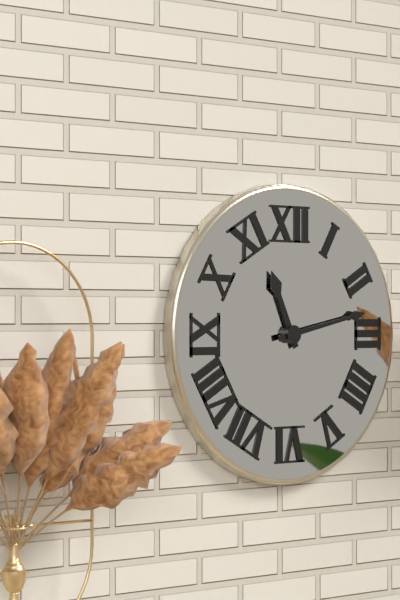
11:13
